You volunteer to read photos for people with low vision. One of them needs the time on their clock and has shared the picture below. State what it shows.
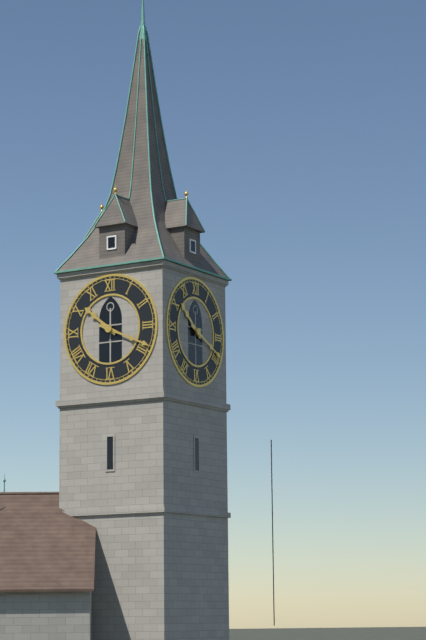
10:19
